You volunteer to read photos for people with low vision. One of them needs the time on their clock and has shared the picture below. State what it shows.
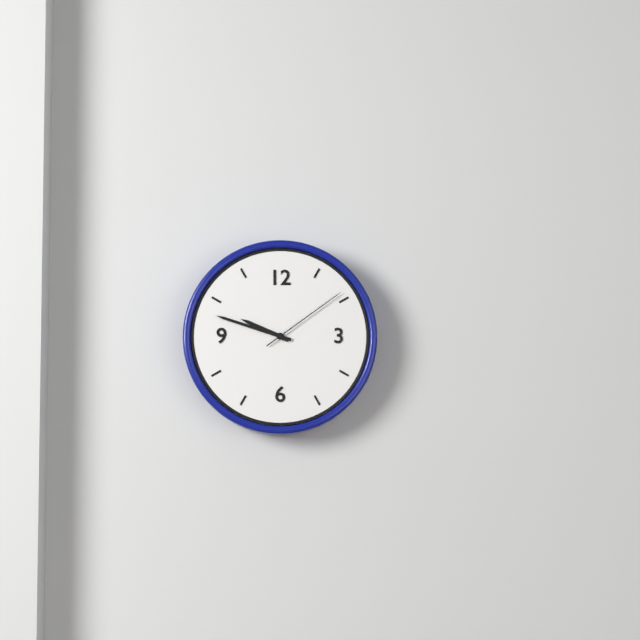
9:48:09
